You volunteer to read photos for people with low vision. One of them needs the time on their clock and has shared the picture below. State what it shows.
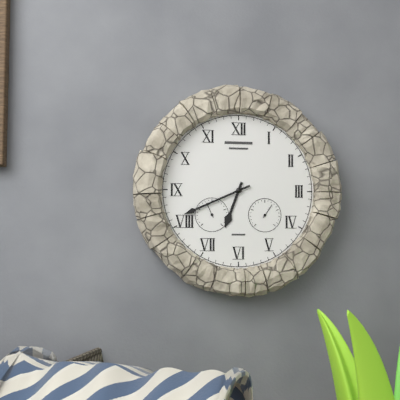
6:41
